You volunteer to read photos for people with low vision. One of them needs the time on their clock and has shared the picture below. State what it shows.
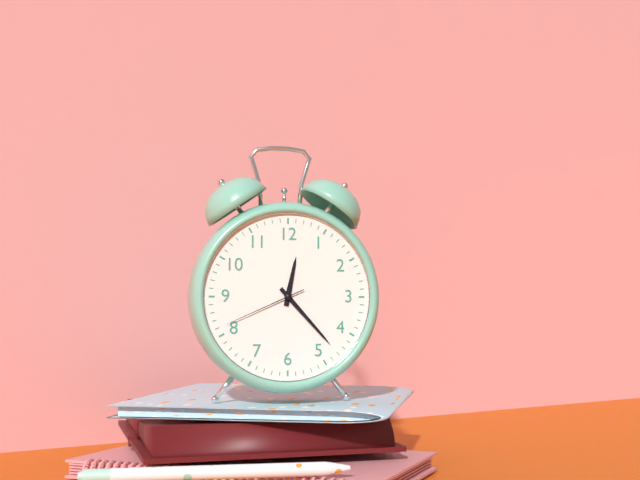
12:23:41
